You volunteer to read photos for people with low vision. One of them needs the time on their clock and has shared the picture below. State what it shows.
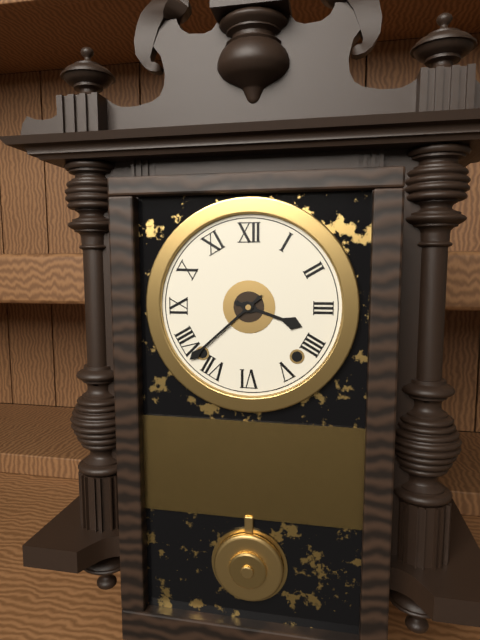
3:38
